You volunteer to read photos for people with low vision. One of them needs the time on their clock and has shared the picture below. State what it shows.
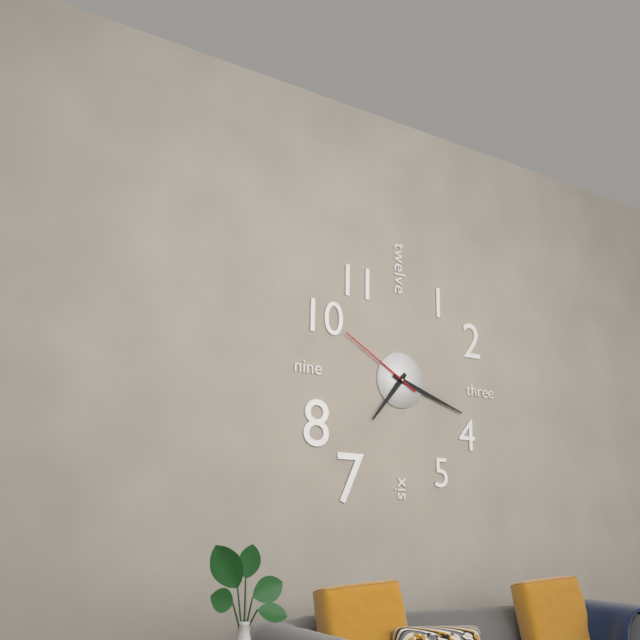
7:18:50
